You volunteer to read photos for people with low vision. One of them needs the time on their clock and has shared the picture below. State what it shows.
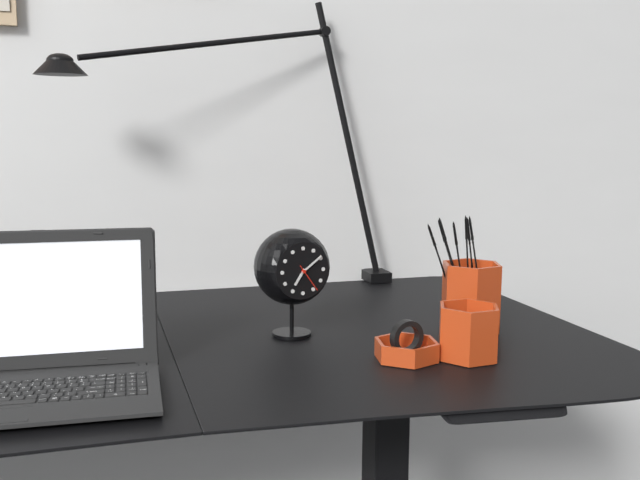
7:09
